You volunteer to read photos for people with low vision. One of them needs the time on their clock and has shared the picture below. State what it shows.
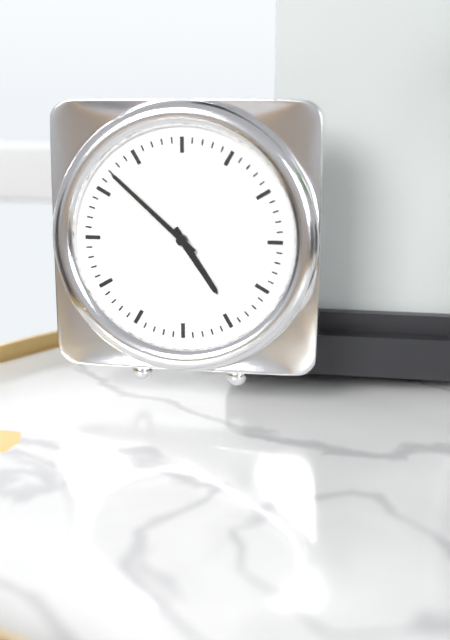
4:52
